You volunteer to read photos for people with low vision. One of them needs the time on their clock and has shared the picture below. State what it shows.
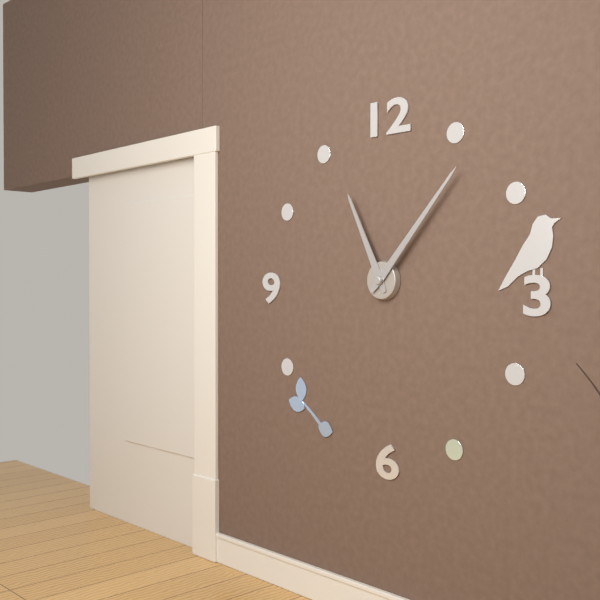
11:07
